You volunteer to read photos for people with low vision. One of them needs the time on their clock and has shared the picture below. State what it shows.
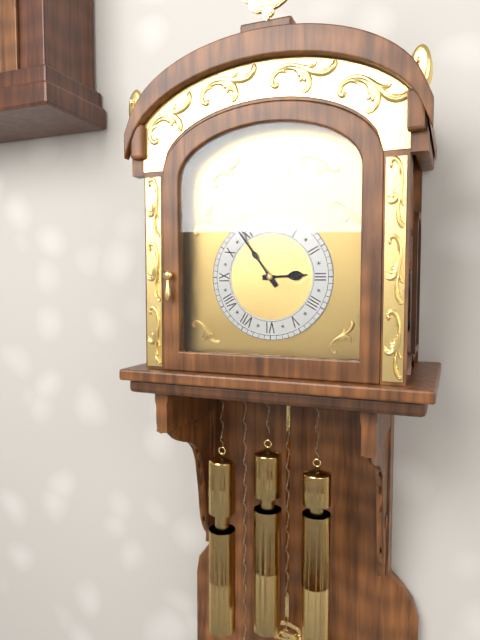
2:54
